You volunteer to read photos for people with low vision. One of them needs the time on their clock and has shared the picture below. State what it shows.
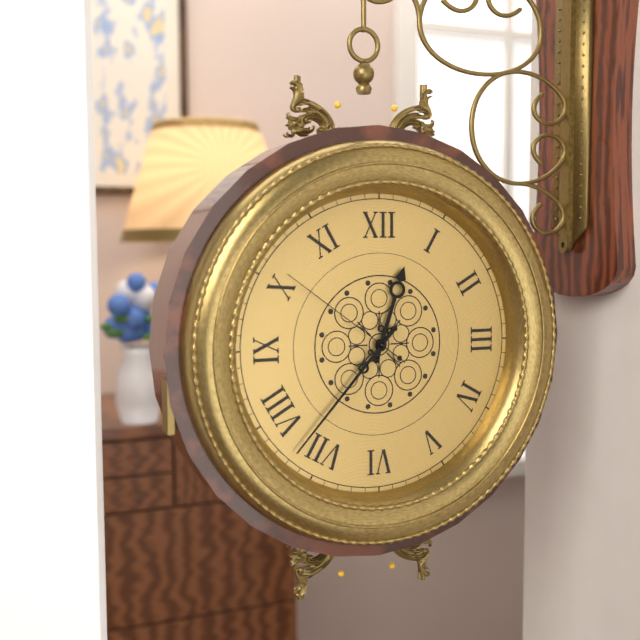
12:37:51
